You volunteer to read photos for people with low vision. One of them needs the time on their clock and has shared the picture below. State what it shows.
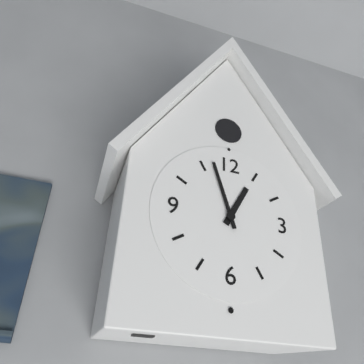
12:57
